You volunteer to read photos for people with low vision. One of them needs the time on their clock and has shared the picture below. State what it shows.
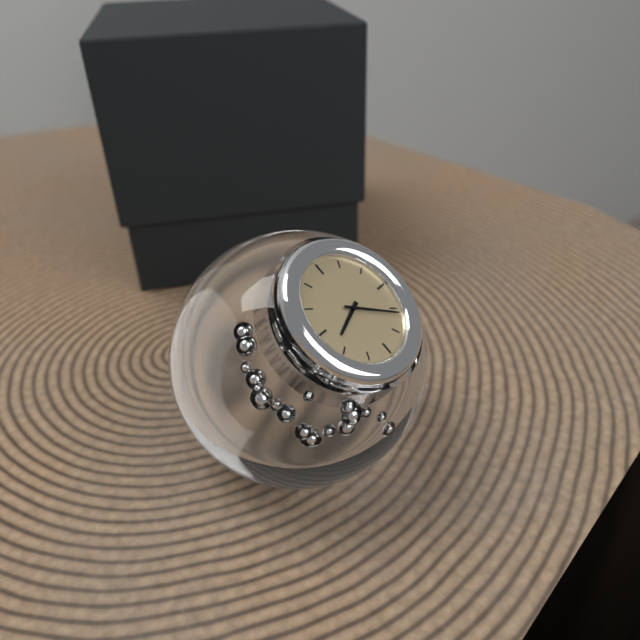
8:21
